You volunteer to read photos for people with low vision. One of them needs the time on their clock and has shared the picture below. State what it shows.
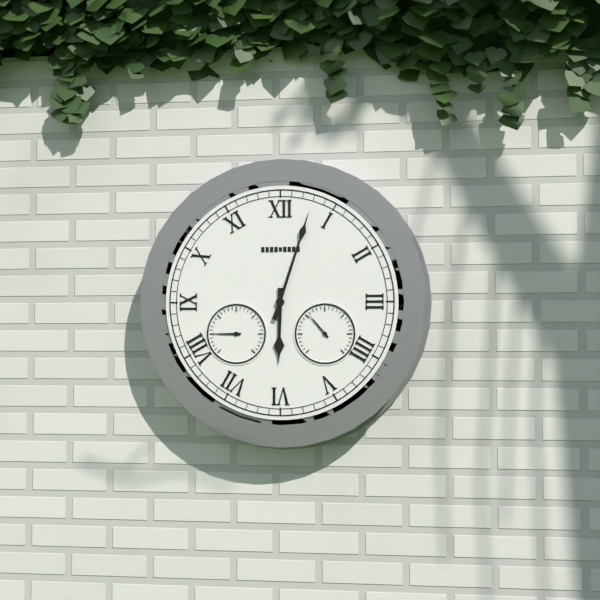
6:03
